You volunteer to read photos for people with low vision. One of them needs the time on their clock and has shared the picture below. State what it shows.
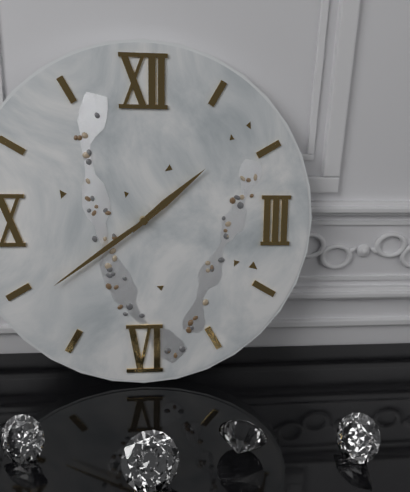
1:39
